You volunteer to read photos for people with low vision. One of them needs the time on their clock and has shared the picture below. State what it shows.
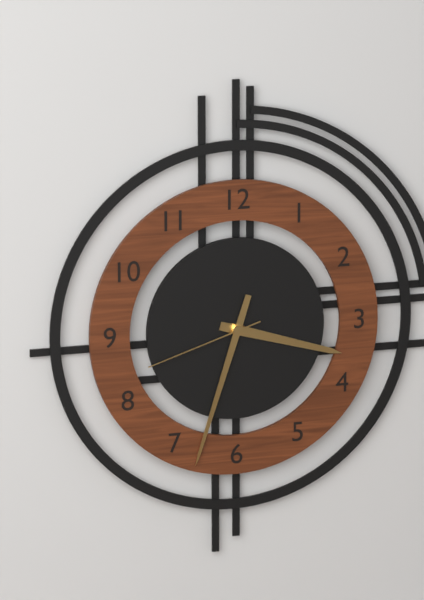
3:33:42
